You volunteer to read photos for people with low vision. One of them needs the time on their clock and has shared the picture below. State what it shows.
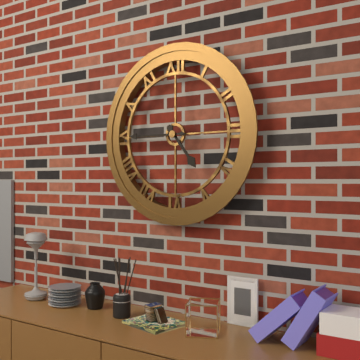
4:45
